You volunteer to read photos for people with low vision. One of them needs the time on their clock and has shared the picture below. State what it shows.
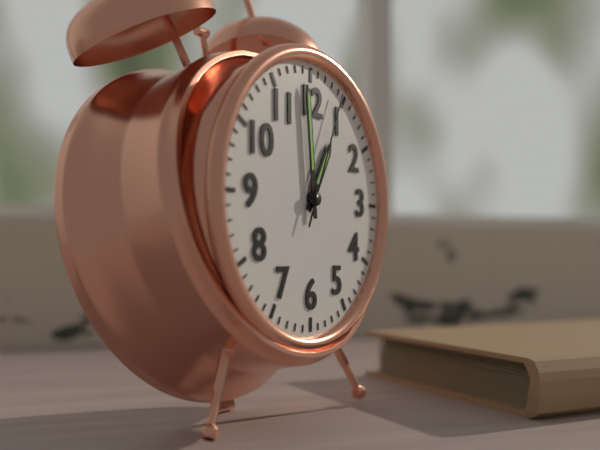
12:59:04
